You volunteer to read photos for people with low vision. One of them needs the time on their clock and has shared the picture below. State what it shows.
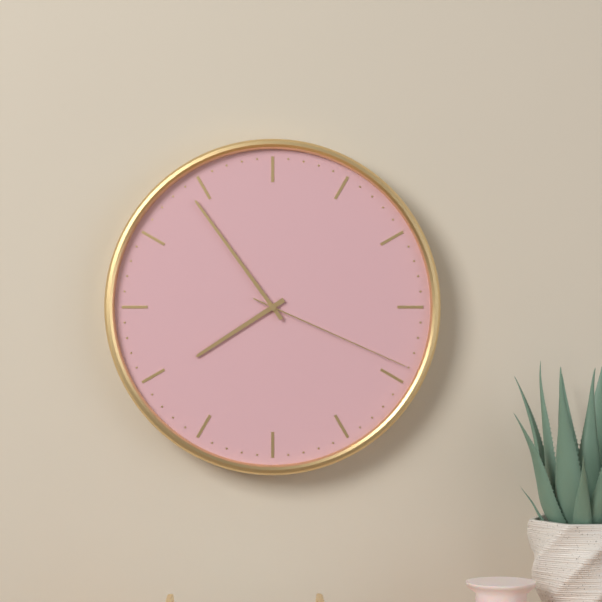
7:54:19
